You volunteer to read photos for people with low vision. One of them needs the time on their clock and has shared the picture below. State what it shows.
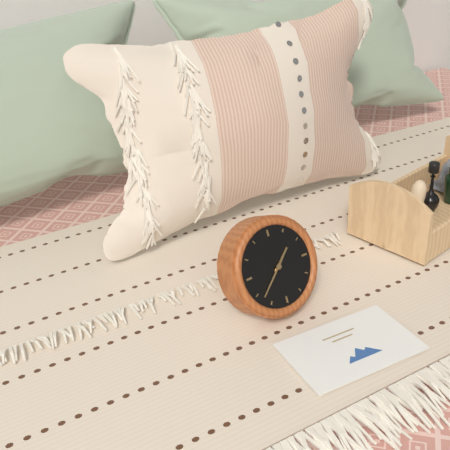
1:38
